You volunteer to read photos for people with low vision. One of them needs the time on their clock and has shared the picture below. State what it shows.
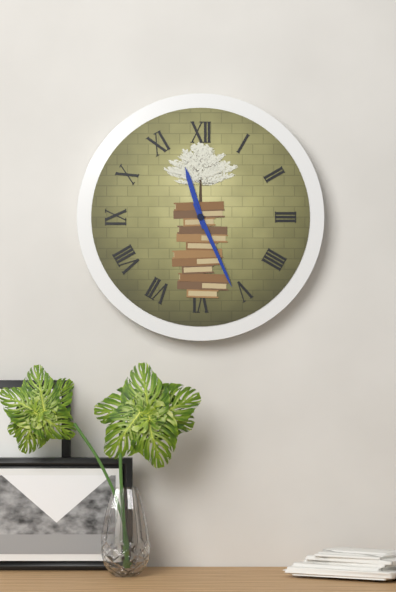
11:26
